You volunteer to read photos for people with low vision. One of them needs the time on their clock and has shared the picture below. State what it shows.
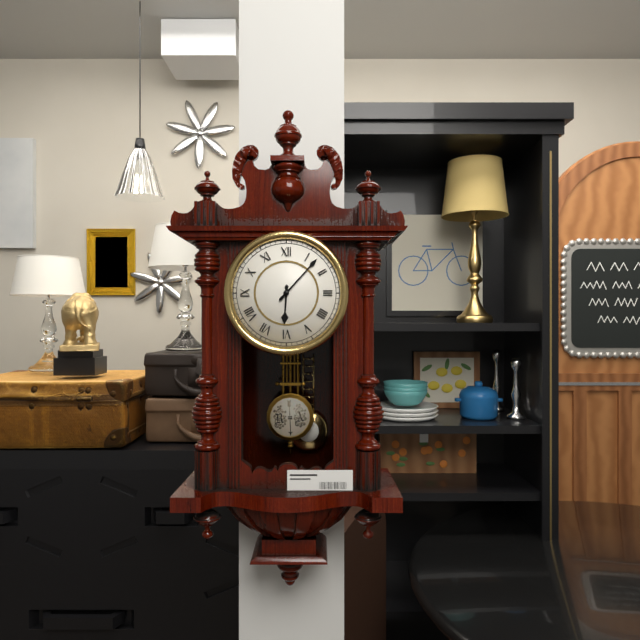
6:07
